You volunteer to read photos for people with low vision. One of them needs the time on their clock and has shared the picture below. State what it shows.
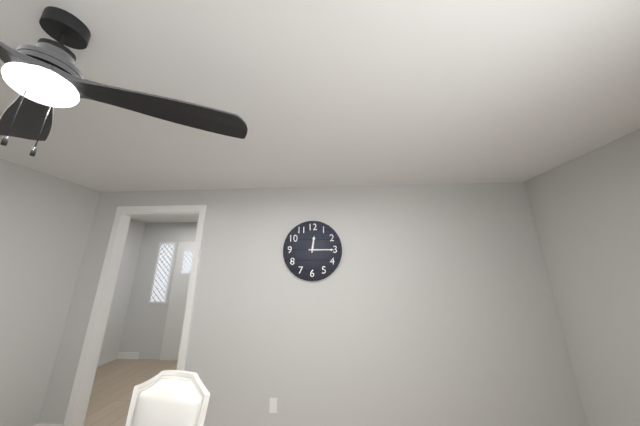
12:15
